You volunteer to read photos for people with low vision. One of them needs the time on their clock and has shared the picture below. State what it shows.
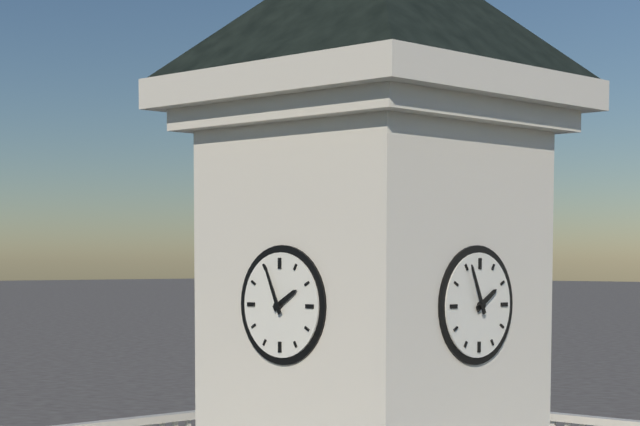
1:56
